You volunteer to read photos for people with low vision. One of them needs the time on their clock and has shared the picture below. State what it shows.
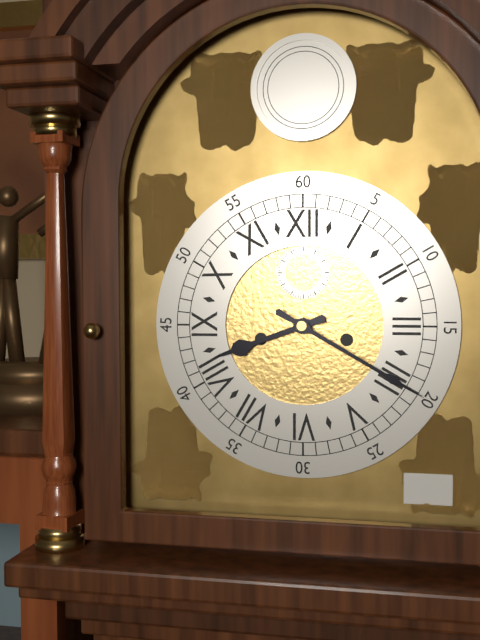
8:20
